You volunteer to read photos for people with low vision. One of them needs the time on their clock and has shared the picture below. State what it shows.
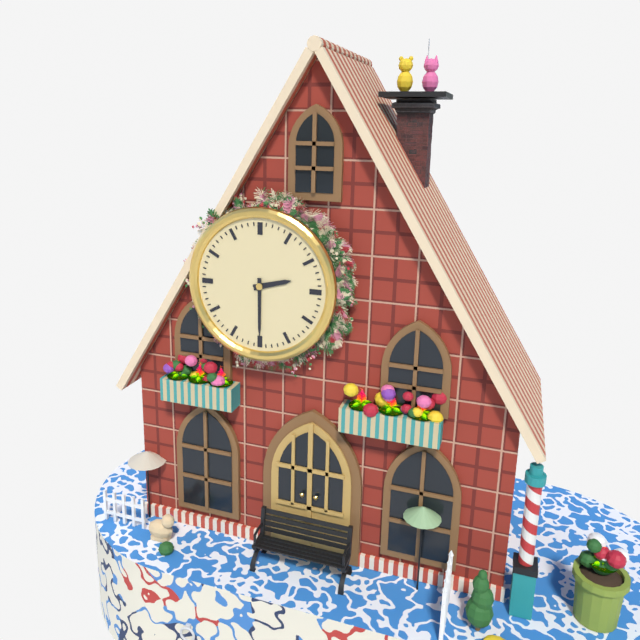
2:30
